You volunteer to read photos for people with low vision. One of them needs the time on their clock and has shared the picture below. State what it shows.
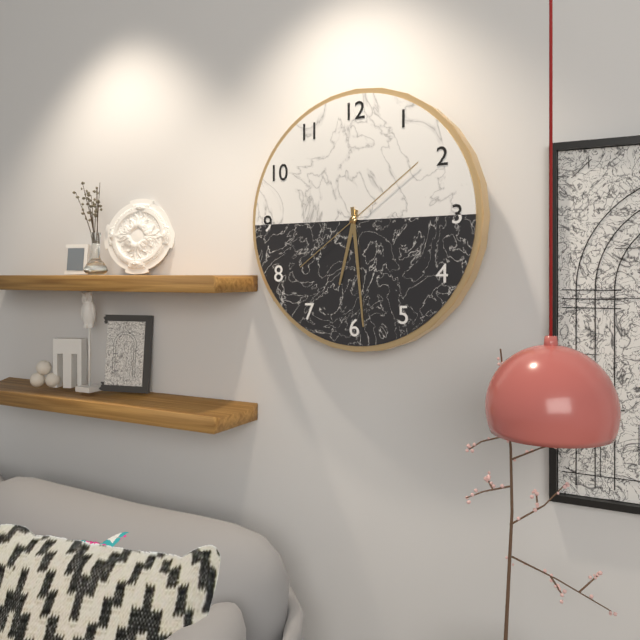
6:29:09
